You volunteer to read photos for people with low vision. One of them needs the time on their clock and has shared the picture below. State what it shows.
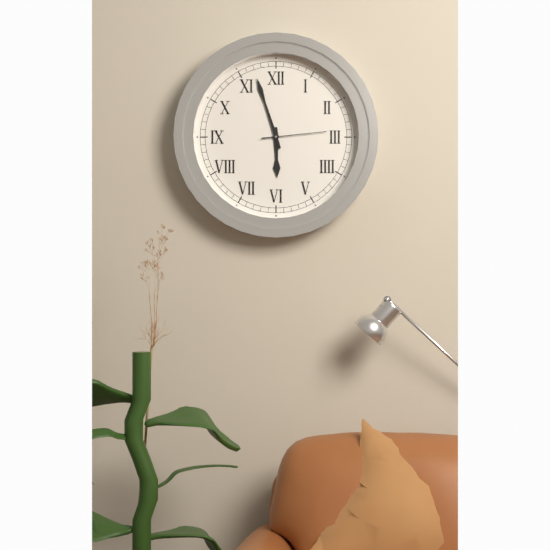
5:57:14
